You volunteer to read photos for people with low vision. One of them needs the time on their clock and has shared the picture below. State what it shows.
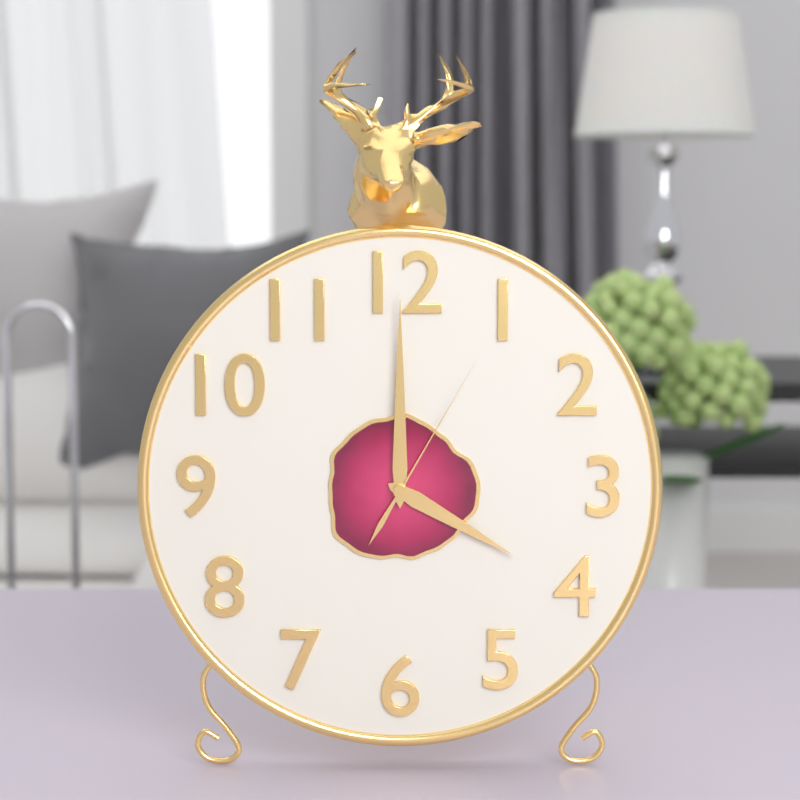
4:00:05
